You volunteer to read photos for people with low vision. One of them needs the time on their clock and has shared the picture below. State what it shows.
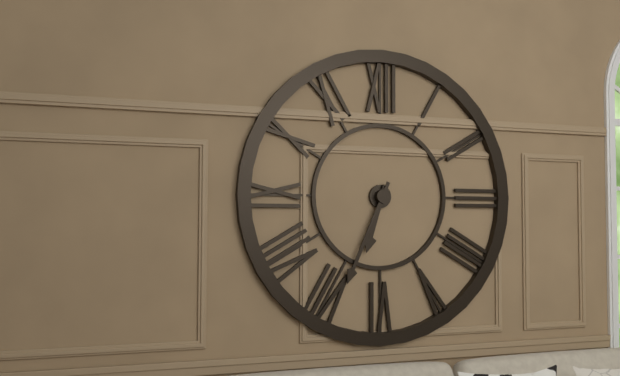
6:34
